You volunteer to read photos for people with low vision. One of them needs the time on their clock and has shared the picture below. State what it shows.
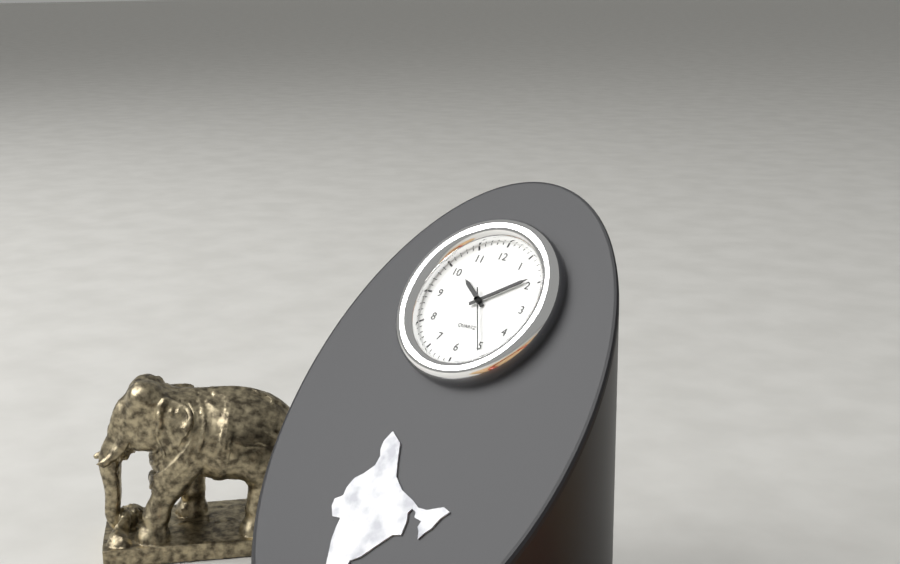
10:09:25
